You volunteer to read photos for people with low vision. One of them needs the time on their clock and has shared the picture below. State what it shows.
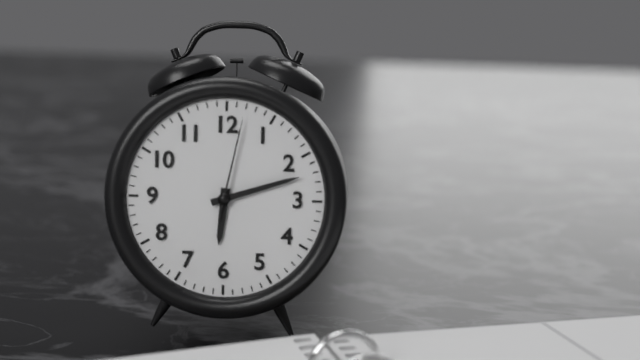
6:12:02
